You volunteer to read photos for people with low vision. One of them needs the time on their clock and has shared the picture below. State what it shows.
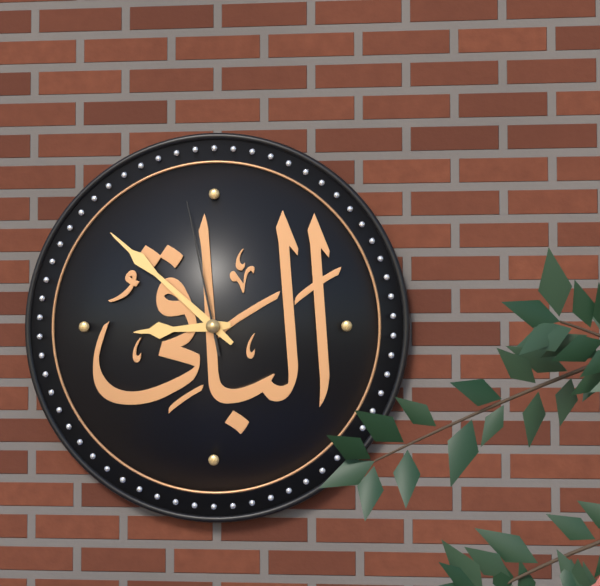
8:52:58
